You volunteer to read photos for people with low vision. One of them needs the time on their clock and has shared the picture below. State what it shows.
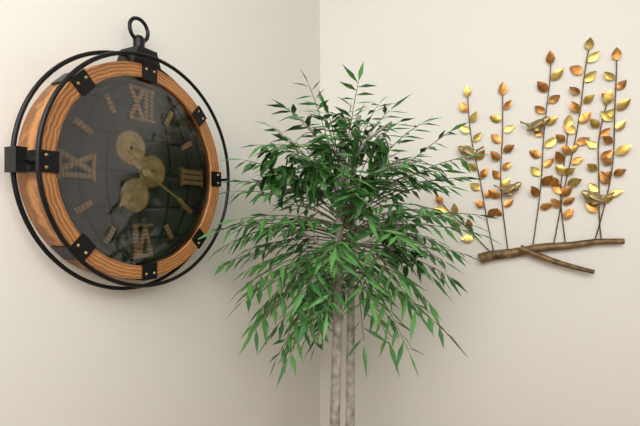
7:20
